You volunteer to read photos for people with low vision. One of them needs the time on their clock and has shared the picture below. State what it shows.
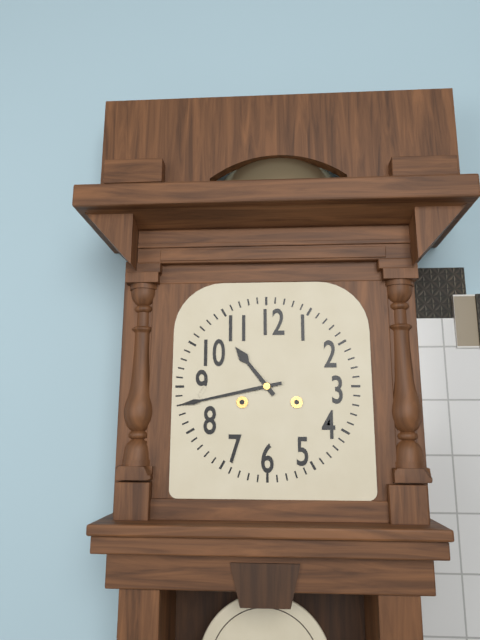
10:43
